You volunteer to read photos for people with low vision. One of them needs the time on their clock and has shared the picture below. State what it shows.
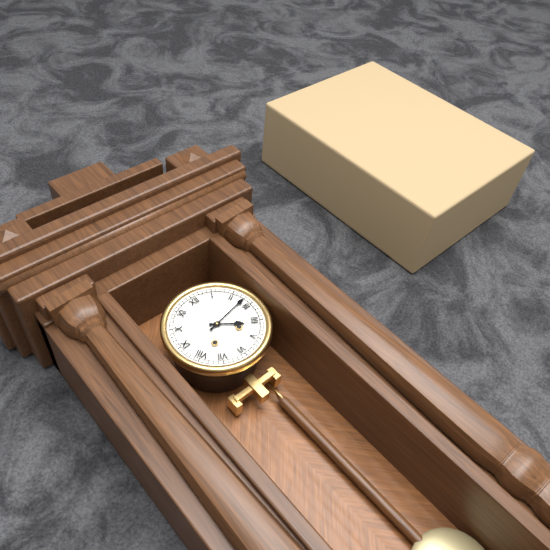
4:13
